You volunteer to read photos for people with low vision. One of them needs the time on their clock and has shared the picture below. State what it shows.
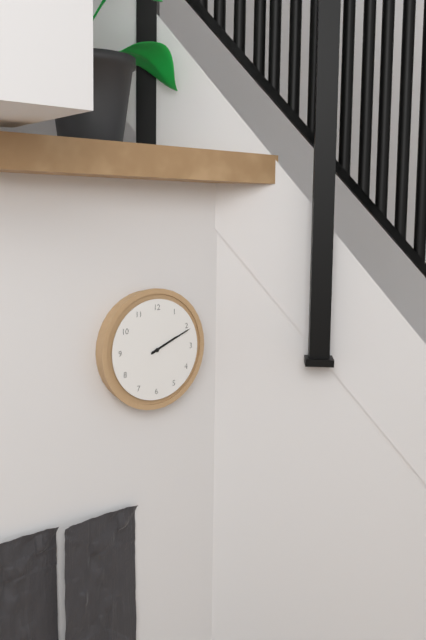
2:11
